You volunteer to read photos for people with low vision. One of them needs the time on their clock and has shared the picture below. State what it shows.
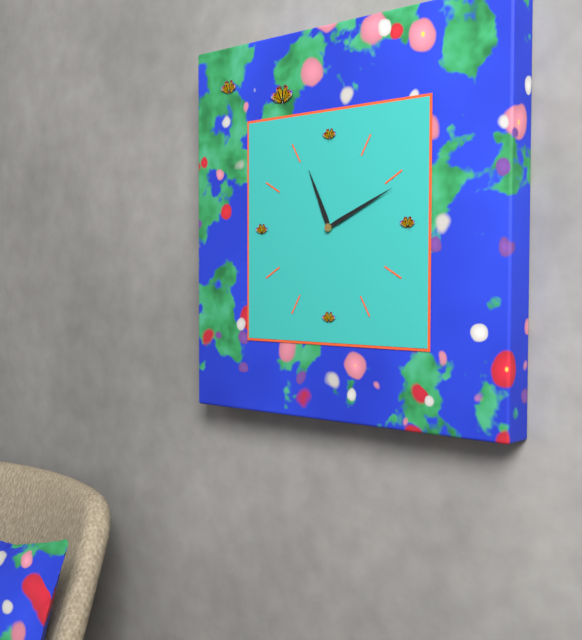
11:11
